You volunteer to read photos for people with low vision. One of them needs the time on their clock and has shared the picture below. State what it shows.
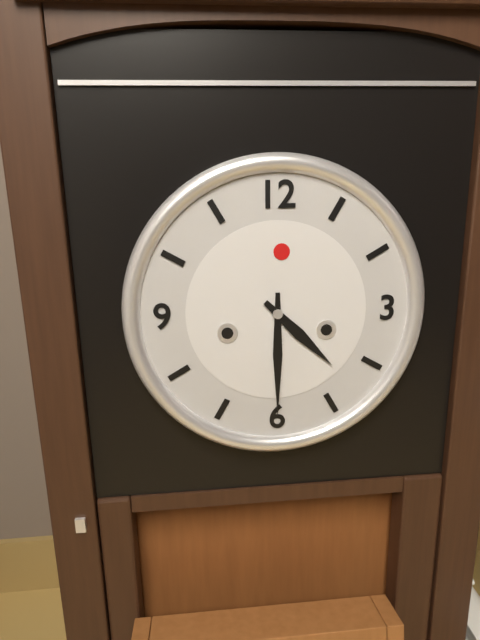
4:30
